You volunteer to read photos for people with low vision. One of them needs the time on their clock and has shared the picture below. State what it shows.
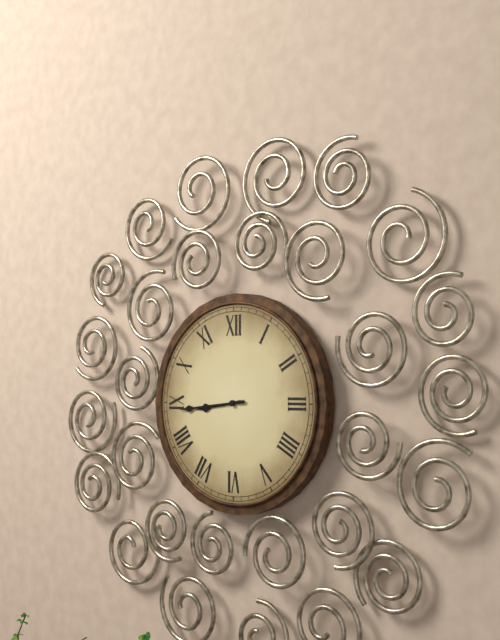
8:44
